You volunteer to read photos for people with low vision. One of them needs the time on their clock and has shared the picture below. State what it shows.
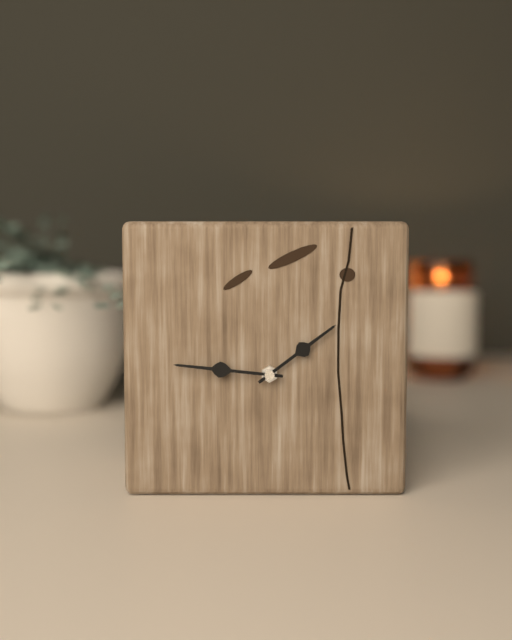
1:46
